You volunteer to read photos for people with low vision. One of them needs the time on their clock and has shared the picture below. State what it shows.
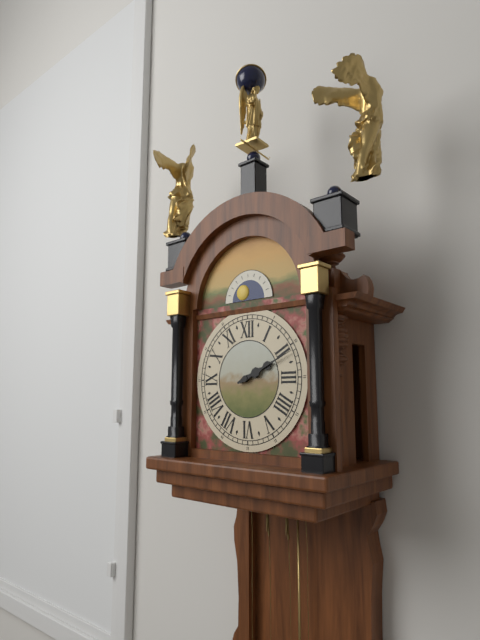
2:11
